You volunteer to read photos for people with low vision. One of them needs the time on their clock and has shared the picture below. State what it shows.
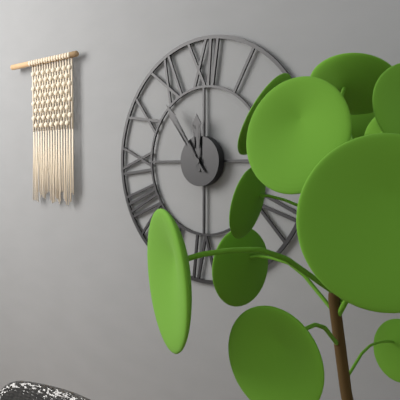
11:54
